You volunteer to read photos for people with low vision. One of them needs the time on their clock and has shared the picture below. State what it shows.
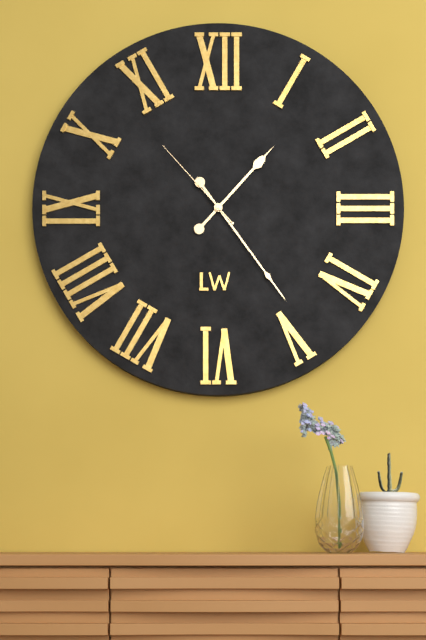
1:24:53
